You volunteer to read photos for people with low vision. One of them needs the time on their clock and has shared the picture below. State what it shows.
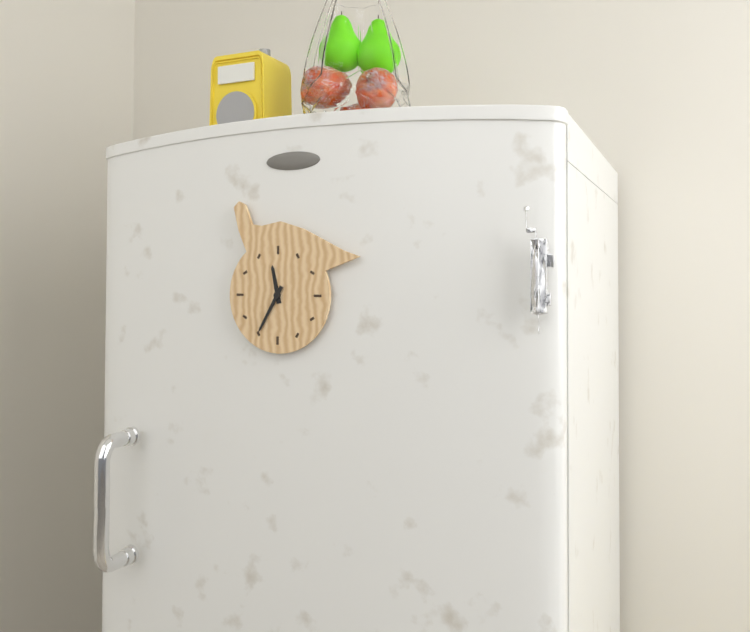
11:35
